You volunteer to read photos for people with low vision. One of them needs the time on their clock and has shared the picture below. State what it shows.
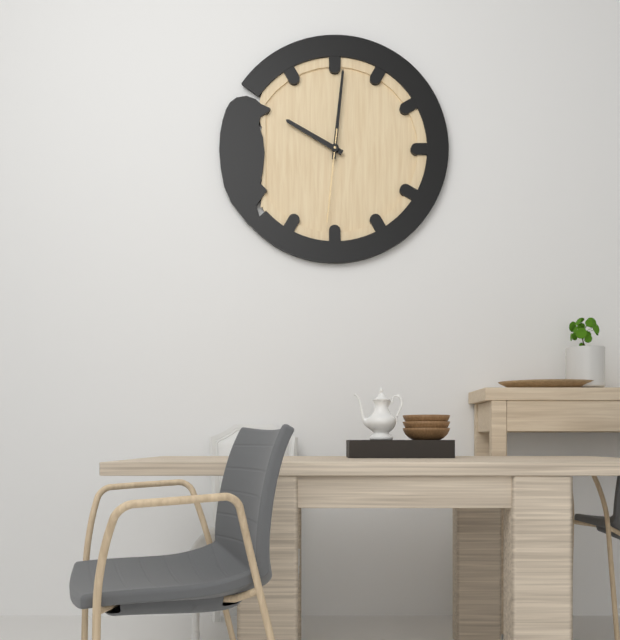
10:01:31
